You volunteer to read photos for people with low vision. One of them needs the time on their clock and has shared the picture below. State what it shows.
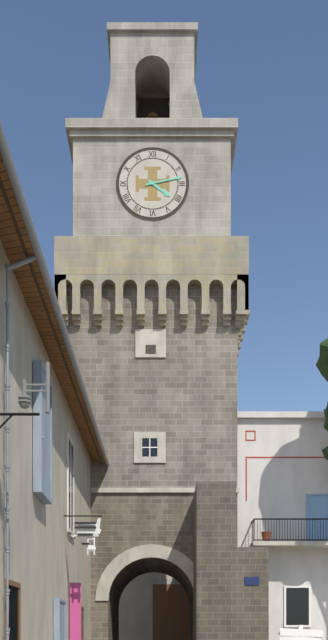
4:13
